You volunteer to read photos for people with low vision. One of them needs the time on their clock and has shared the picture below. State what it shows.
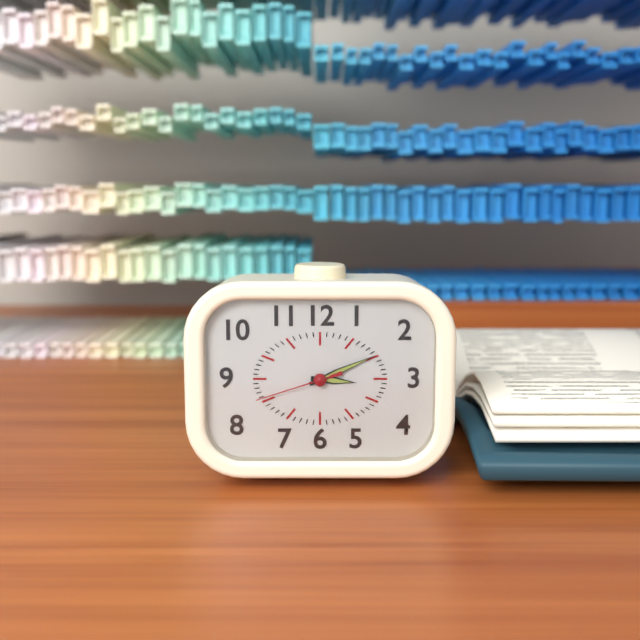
3:11:42
